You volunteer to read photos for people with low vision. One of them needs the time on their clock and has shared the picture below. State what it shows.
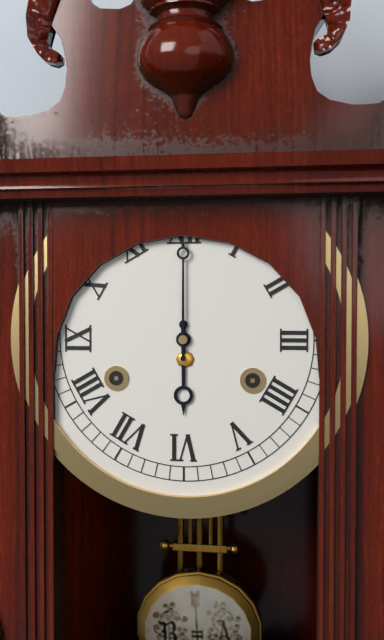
6:00
